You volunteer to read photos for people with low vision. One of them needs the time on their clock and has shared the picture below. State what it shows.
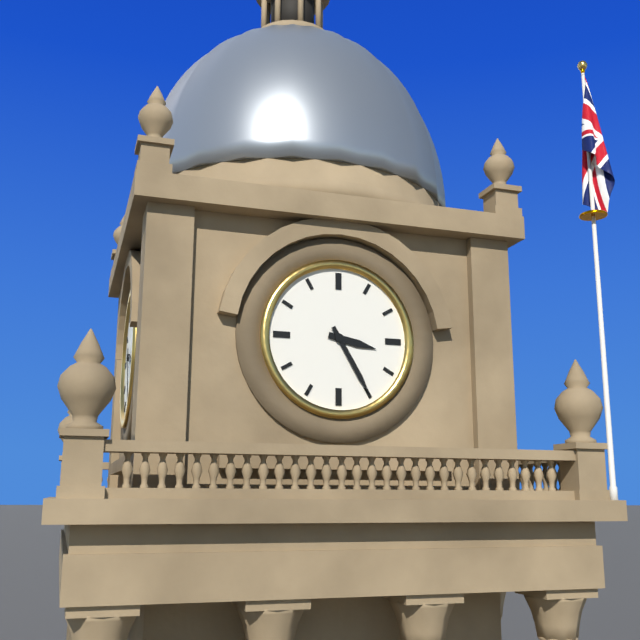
3:25
